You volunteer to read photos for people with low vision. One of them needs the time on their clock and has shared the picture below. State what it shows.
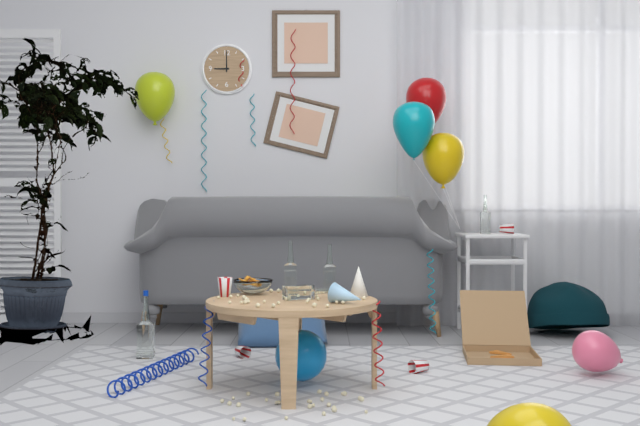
9:00
